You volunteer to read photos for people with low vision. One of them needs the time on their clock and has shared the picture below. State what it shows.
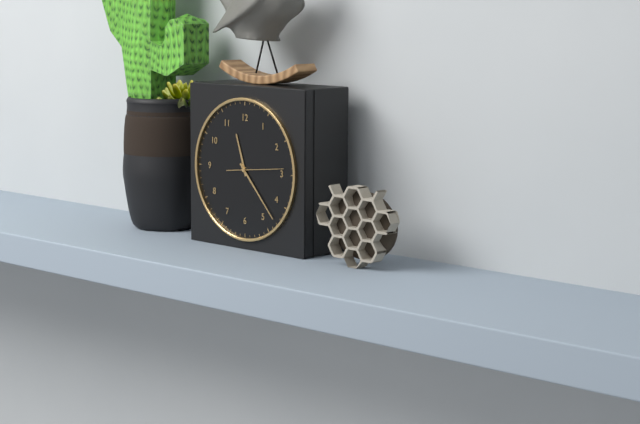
11:23:14
